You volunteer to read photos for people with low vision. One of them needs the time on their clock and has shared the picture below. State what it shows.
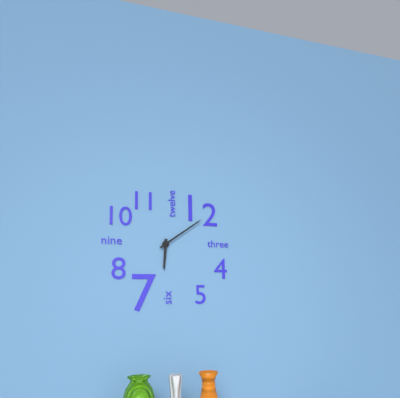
6:09
